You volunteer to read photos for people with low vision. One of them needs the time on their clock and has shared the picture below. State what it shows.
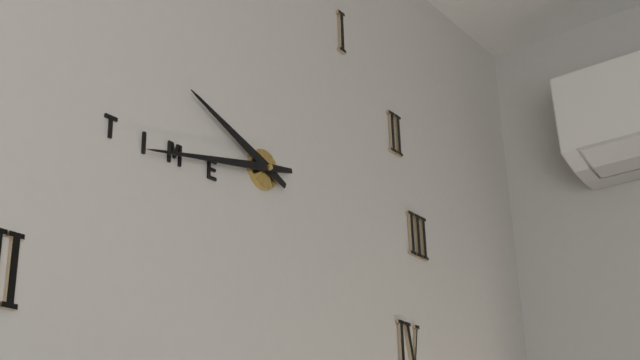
9:43
